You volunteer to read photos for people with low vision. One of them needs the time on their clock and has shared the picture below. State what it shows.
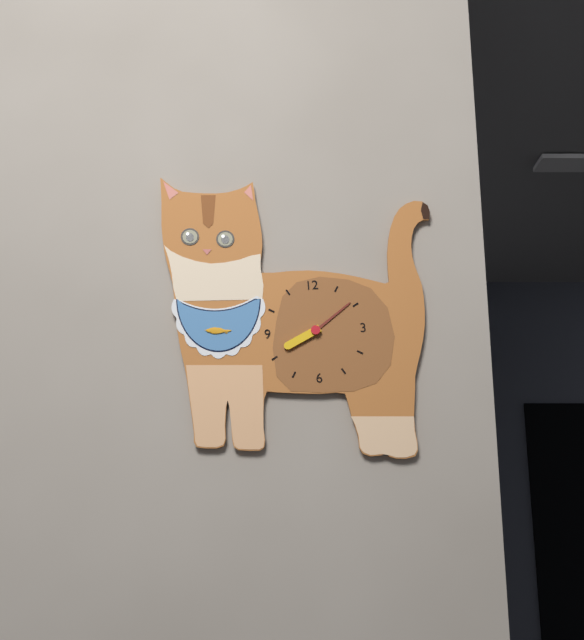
8:09
